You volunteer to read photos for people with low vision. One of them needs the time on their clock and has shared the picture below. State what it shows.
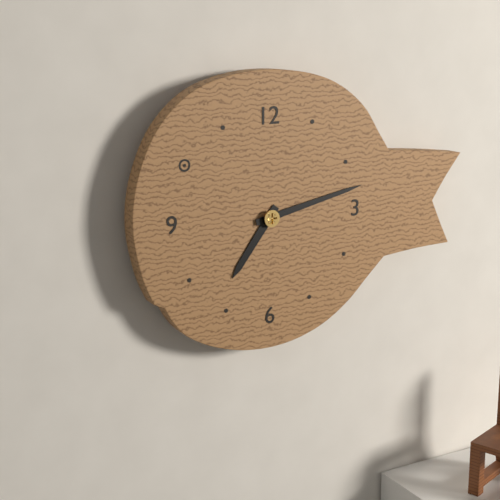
7:13
